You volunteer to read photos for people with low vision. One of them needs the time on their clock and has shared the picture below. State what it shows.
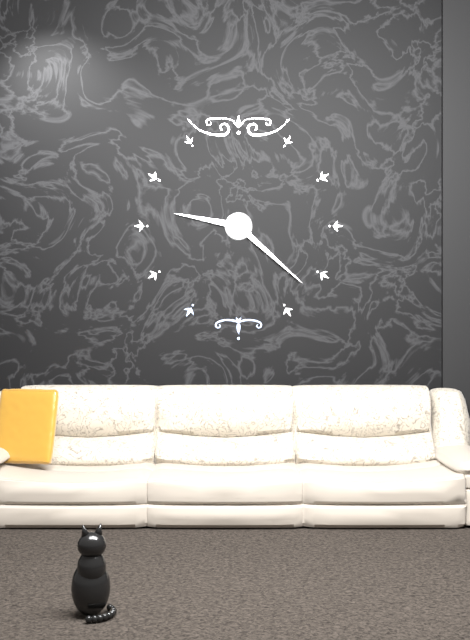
9:22
